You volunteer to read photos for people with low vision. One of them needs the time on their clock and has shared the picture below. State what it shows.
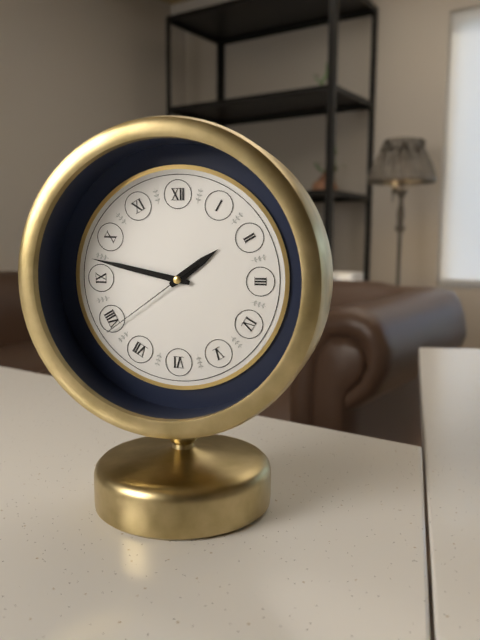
1:47:39
